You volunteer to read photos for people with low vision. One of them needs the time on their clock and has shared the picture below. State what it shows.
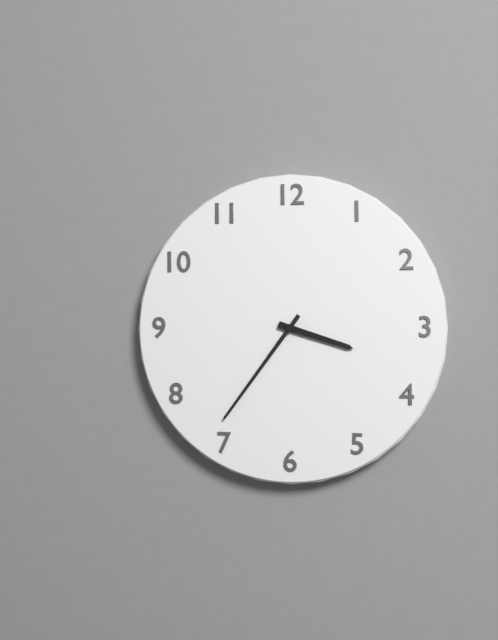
3:36
